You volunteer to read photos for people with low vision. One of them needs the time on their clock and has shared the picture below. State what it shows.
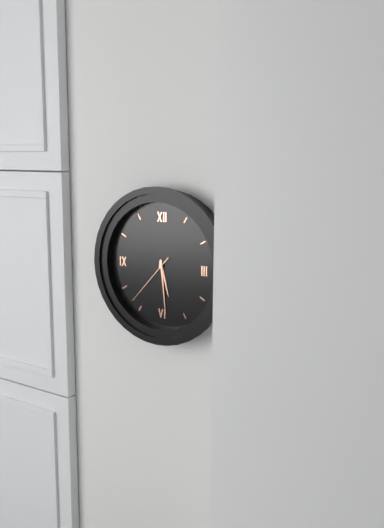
5:29:37
